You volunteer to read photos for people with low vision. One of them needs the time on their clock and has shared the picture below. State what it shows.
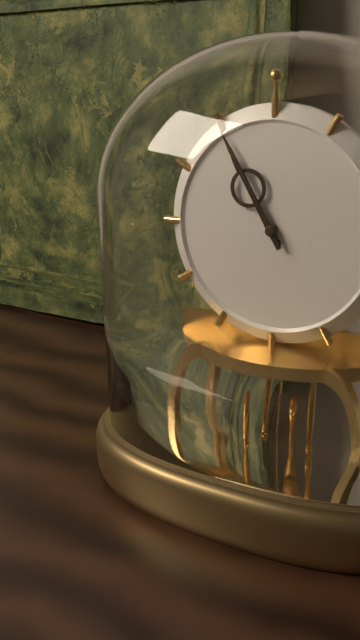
10:55
